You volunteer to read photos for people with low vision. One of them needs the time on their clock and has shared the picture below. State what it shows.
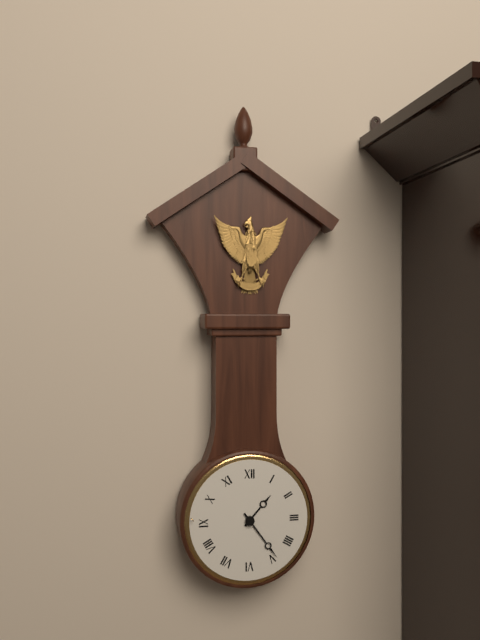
1:24
